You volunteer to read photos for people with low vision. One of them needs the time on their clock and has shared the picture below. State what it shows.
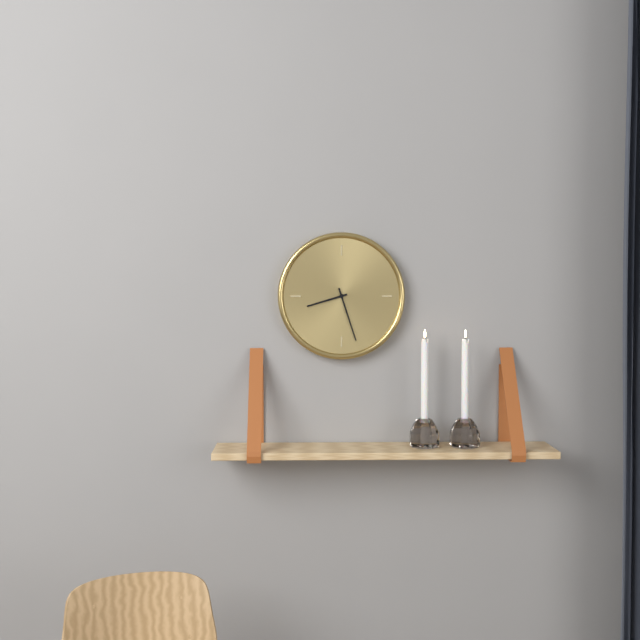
8:27
